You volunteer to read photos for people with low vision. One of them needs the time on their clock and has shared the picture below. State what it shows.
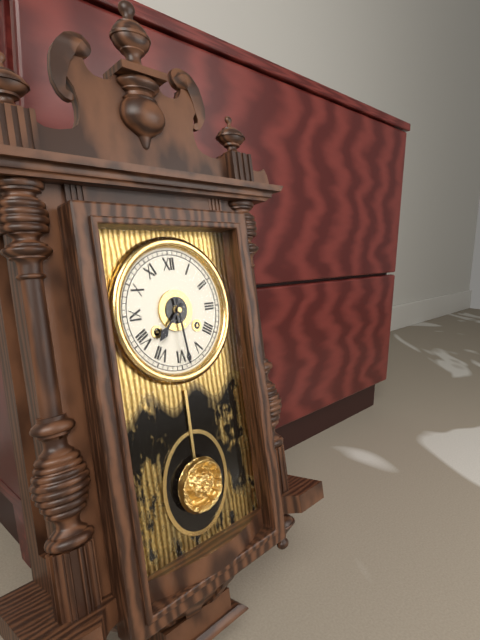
7:29
